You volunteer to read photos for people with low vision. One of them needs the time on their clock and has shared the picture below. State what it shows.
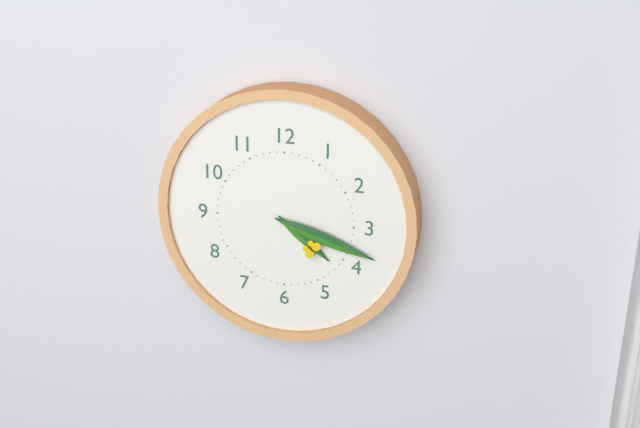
4:18
